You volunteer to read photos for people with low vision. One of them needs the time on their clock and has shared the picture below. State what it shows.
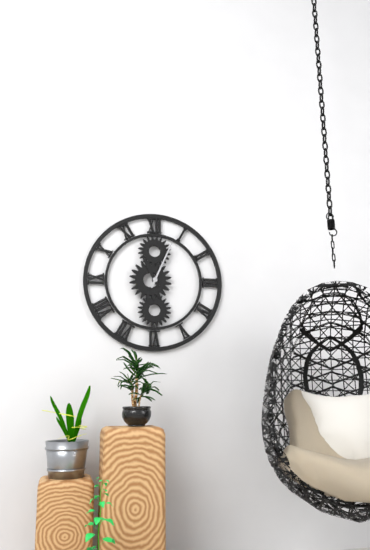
11:04
